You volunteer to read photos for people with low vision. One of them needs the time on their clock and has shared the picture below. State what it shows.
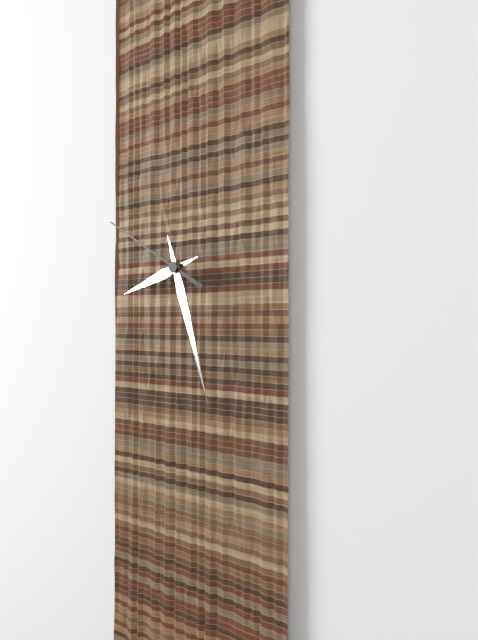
8:27:50
